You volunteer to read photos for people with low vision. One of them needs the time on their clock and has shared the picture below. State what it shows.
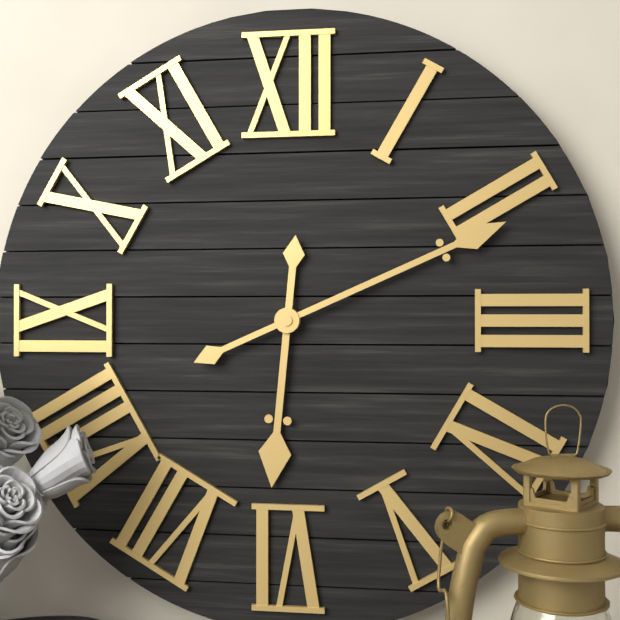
6:11
